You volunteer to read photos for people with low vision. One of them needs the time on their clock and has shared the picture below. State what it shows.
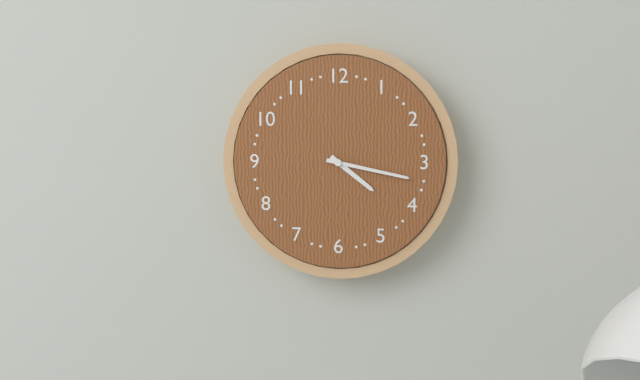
4:17
